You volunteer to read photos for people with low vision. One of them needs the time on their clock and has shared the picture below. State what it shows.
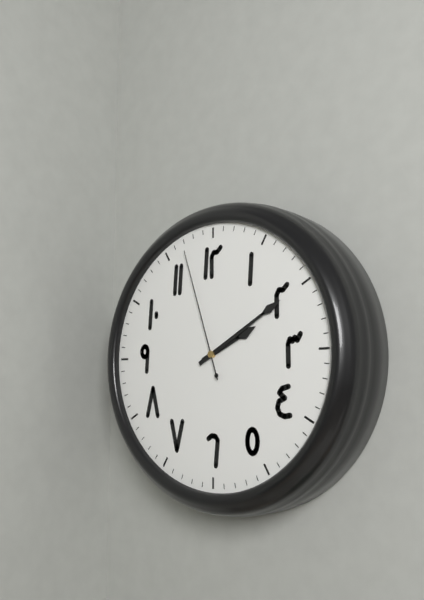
2:10:57
